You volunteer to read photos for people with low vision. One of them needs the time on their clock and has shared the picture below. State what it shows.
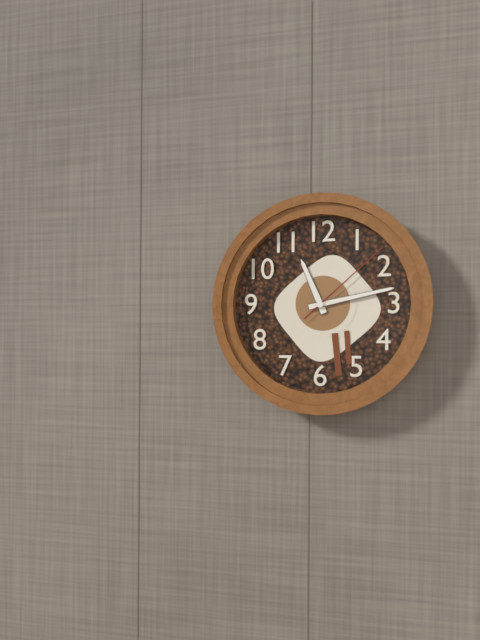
11:13:08
